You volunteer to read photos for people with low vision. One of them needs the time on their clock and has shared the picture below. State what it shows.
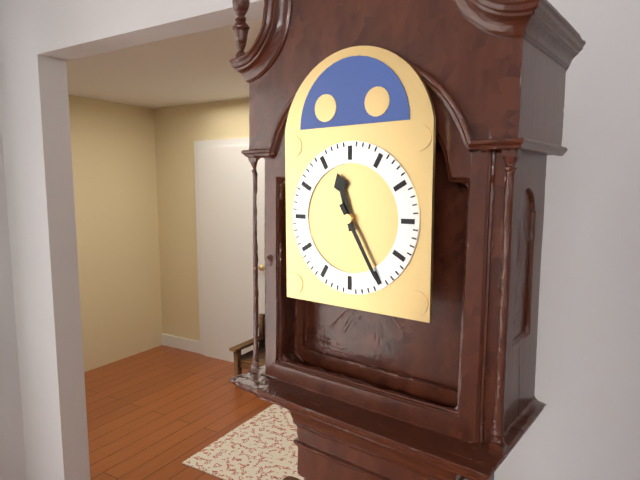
11:25
